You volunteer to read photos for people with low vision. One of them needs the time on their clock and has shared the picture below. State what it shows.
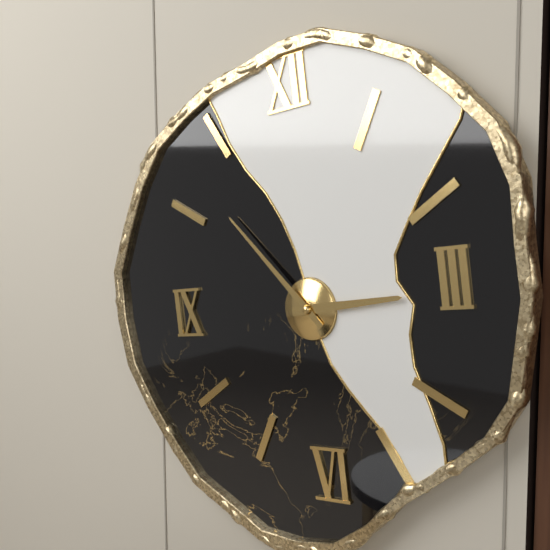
2:53
